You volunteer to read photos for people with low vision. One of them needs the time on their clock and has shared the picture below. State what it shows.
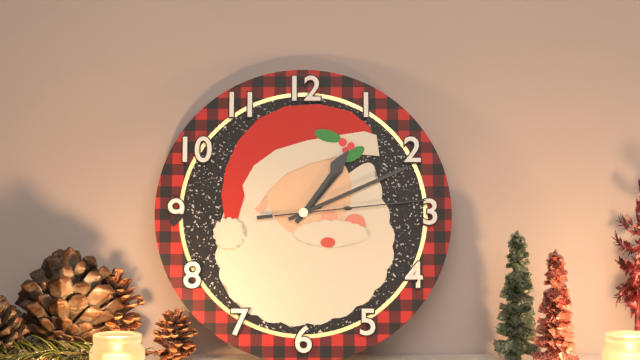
1:11:14
